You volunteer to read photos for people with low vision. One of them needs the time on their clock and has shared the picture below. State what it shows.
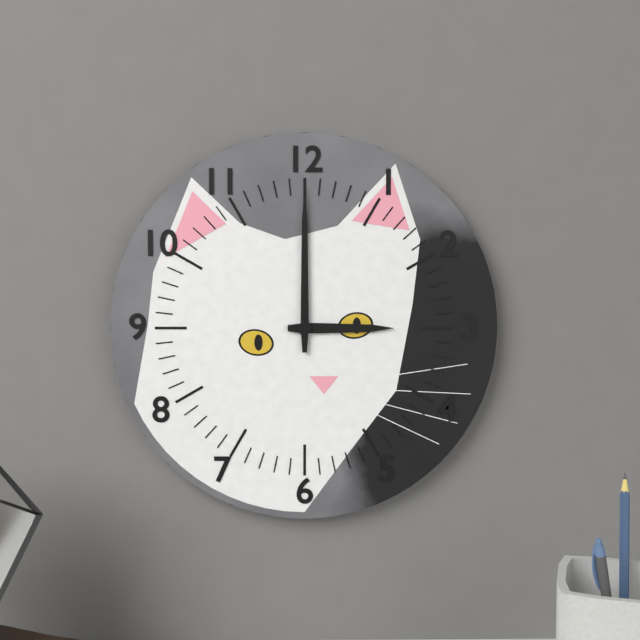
3:00
